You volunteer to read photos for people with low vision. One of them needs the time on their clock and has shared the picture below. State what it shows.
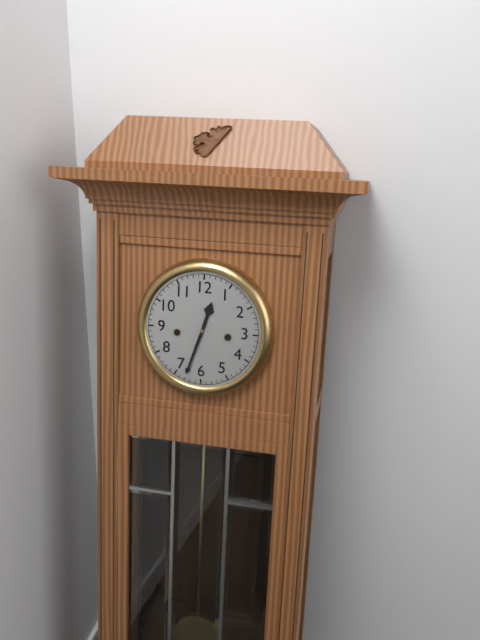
12:33
